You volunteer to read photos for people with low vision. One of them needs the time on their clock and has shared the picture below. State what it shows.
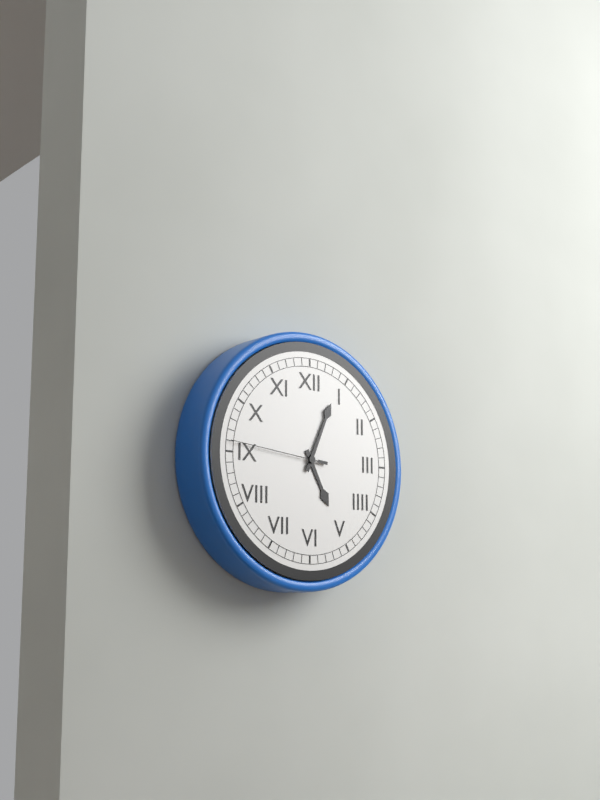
5:04:46
